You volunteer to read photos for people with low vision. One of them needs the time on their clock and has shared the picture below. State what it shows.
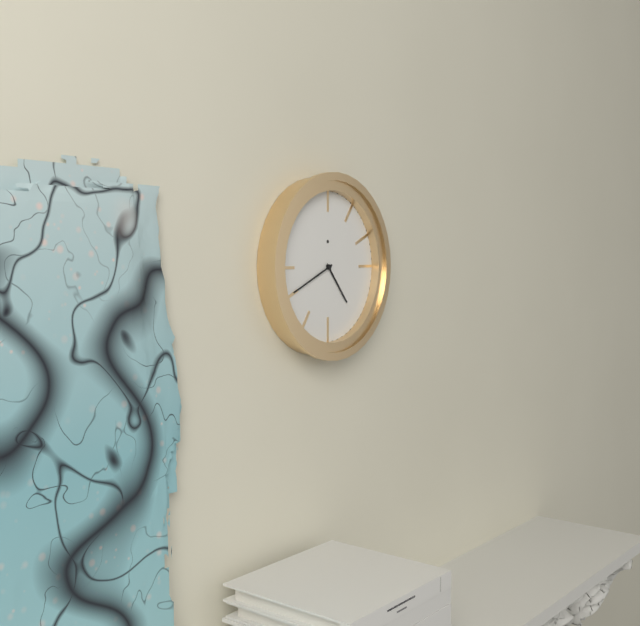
4:41
